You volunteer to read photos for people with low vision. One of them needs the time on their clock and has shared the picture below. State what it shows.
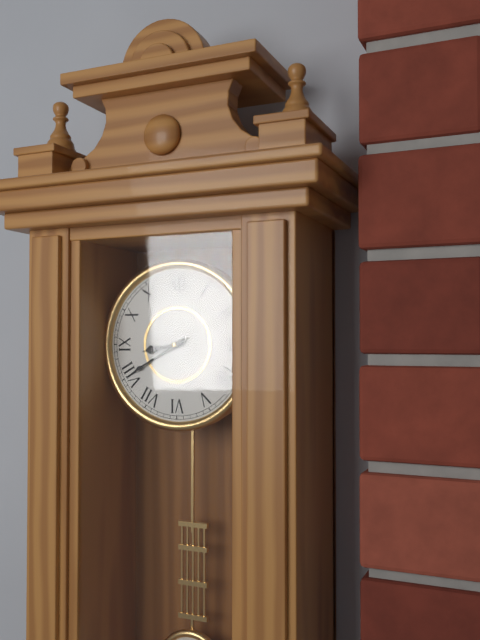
8:40
